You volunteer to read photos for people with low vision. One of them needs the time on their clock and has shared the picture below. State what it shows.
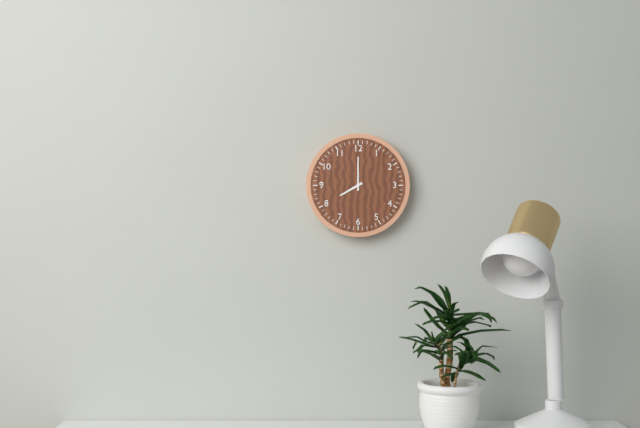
8:00
